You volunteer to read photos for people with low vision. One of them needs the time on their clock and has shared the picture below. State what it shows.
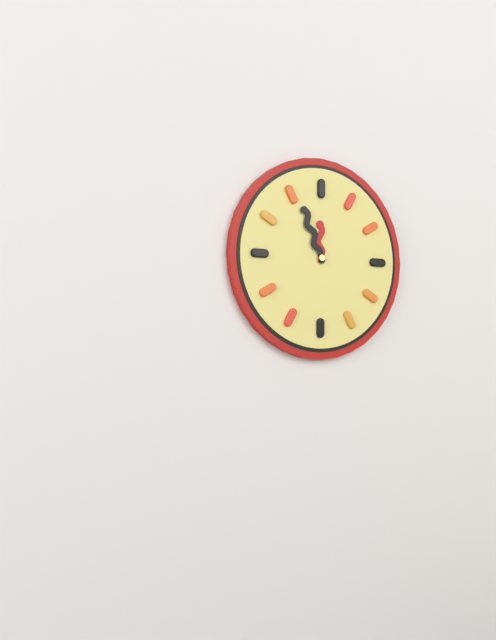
11:56
